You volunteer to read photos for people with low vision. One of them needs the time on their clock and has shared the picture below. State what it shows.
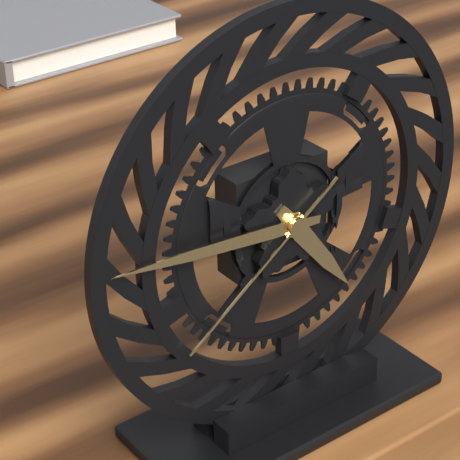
4:46:39
